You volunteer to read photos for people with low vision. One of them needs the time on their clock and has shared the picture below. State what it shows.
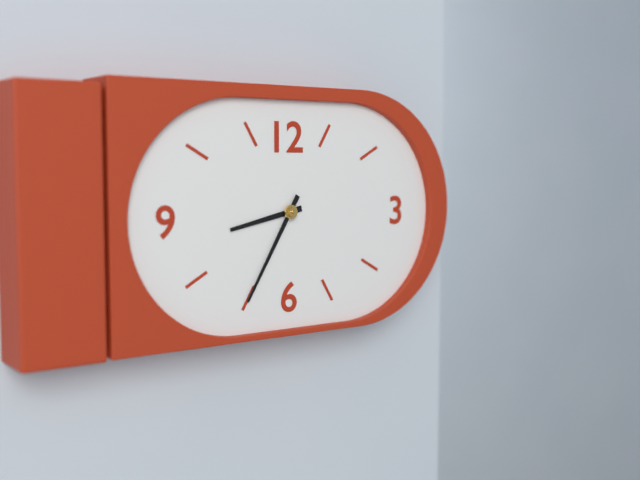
8:35
